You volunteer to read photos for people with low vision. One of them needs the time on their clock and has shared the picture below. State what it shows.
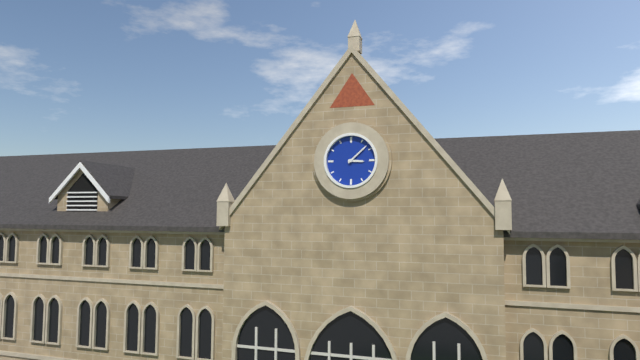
3:08
